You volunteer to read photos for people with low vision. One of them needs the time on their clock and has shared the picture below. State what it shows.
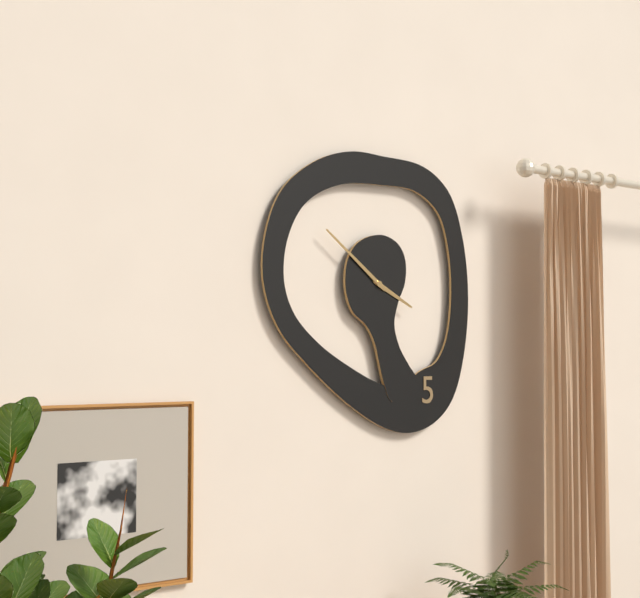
3:51
